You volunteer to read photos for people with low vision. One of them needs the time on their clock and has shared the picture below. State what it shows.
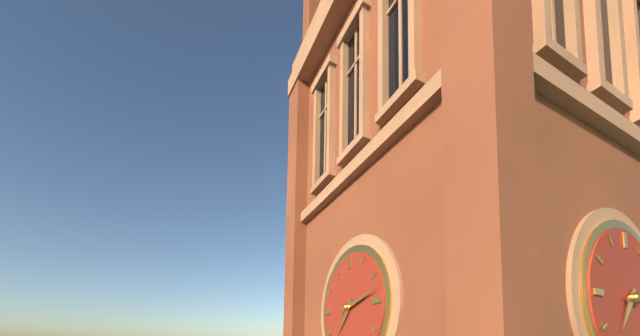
7:13
